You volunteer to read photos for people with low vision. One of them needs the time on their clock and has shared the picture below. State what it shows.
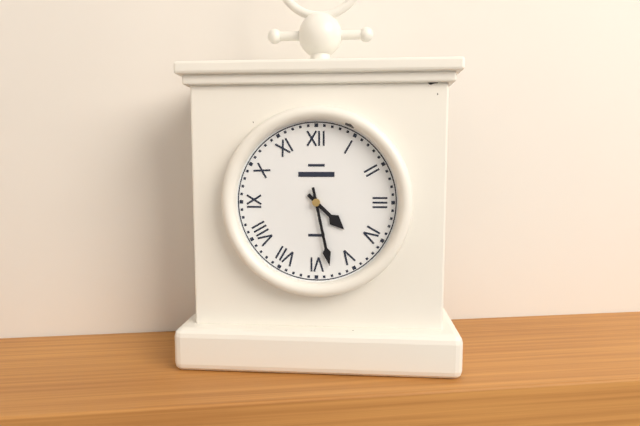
4:28
